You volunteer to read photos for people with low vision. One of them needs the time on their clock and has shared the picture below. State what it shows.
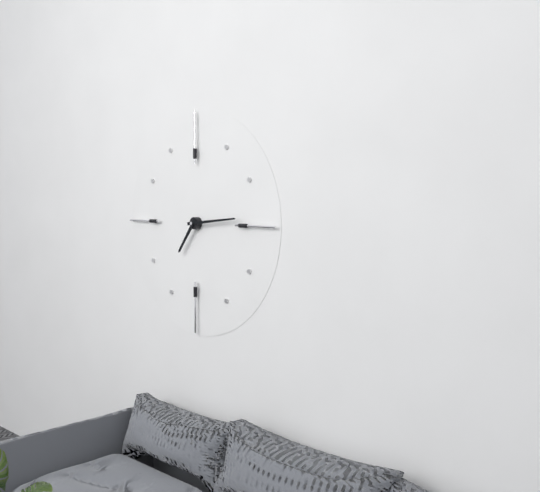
7:14
